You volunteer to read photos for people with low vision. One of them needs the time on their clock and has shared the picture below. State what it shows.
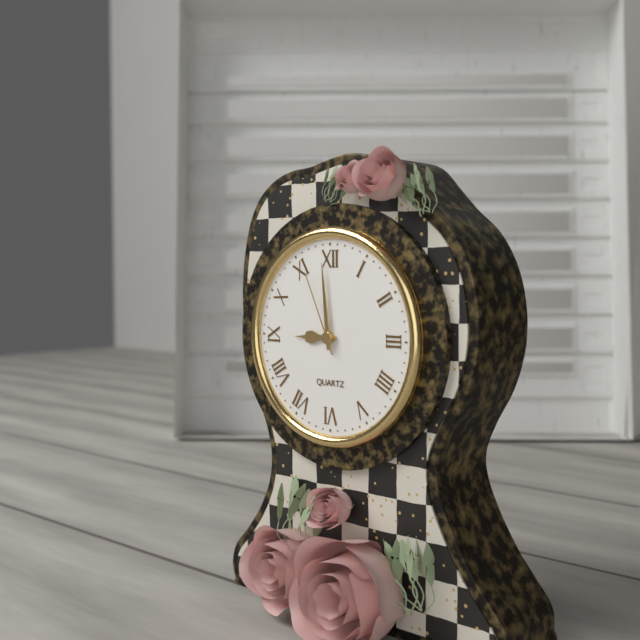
8:59:56
